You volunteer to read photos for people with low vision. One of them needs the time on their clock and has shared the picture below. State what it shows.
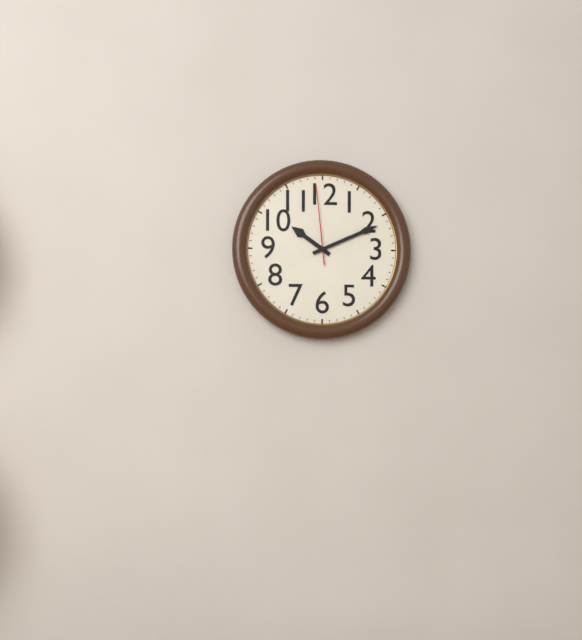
10:11:59
